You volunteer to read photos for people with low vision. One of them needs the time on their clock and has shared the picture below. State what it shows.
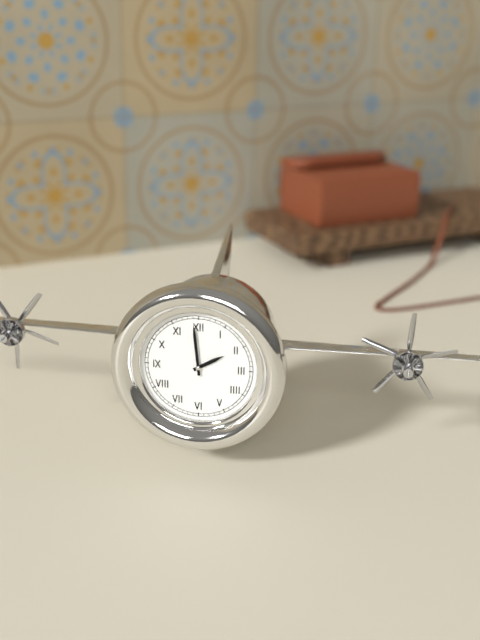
1:59
